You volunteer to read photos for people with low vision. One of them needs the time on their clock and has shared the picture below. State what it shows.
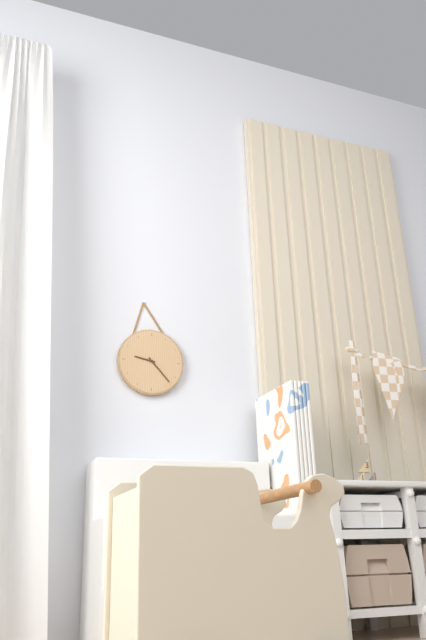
9:23
